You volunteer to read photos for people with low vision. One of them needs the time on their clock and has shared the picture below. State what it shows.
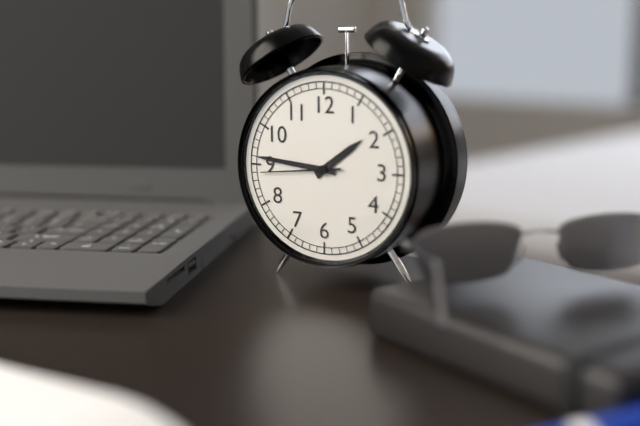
1:46:44
